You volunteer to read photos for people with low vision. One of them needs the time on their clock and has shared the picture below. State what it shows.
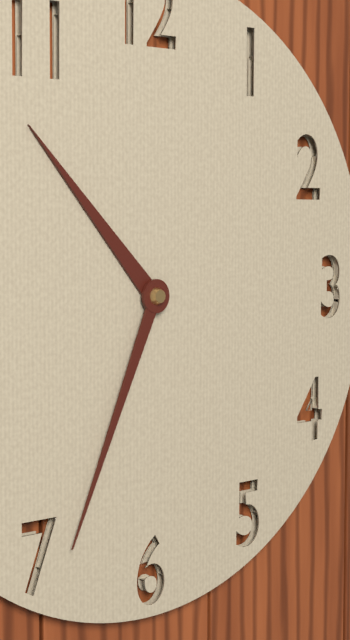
10:34
